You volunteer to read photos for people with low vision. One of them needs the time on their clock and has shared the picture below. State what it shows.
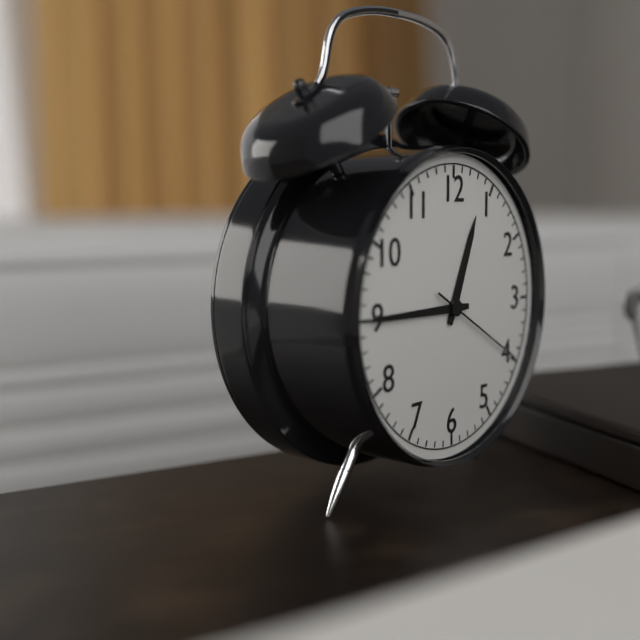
12:45:20
